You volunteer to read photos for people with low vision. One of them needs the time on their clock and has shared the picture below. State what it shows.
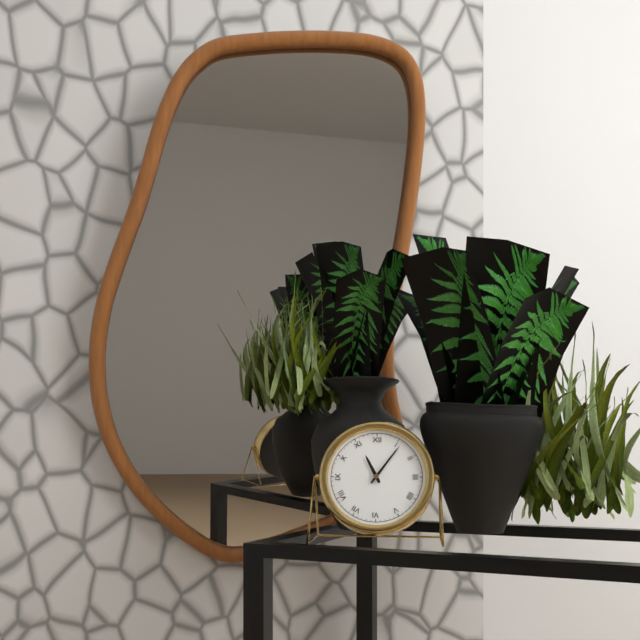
11:06
